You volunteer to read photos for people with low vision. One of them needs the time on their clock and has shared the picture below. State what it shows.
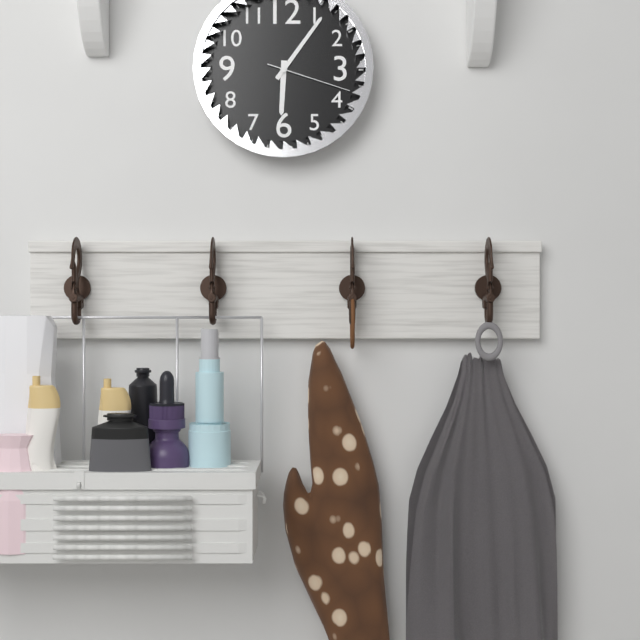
6:06:18
